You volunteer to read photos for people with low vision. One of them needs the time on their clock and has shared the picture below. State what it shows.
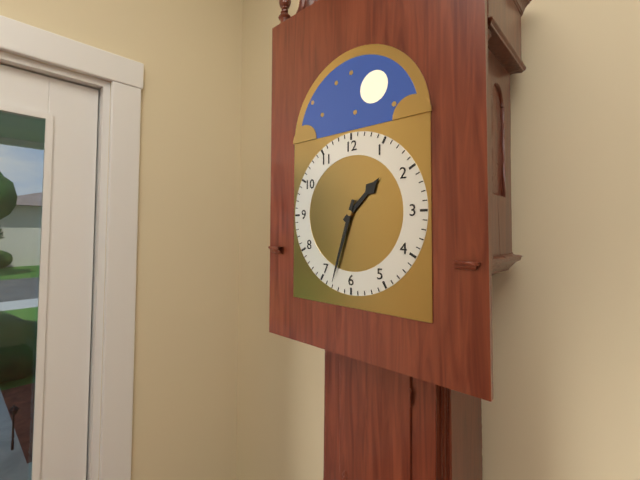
1:33
